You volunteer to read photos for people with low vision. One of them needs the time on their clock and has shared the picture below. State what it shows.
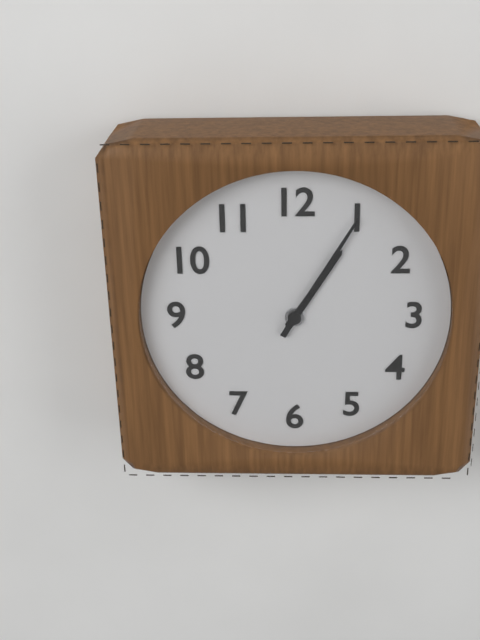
1:05
